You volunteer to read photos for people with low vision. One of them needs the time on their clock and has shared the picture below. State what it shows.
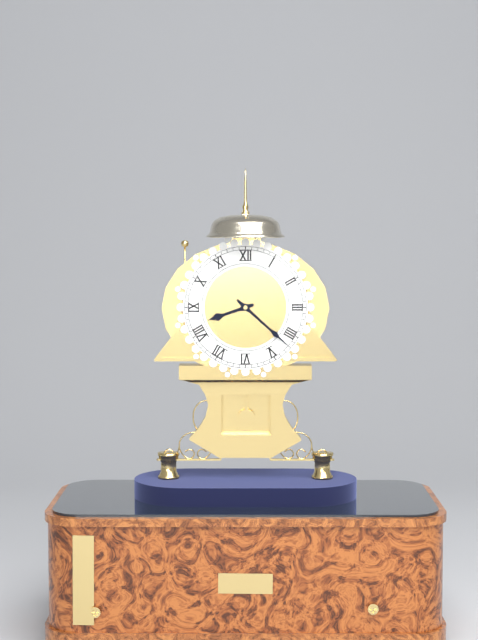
8:22
